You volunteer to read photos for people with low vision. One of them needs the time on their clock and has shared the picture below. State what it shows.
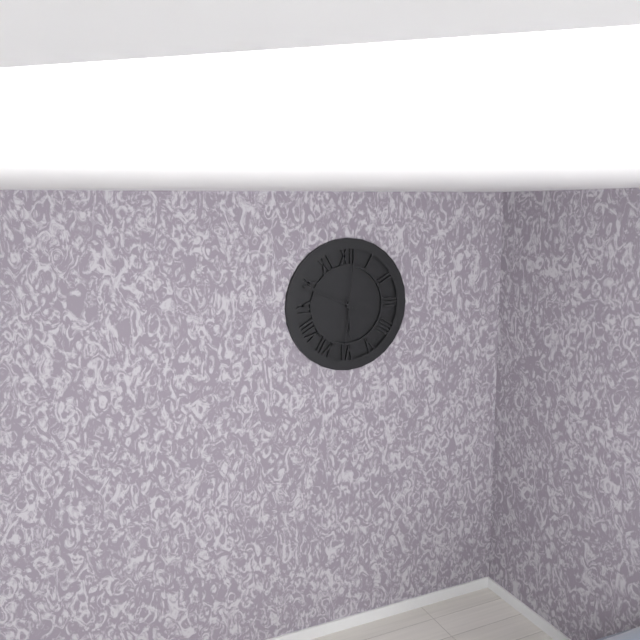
5:49:31
